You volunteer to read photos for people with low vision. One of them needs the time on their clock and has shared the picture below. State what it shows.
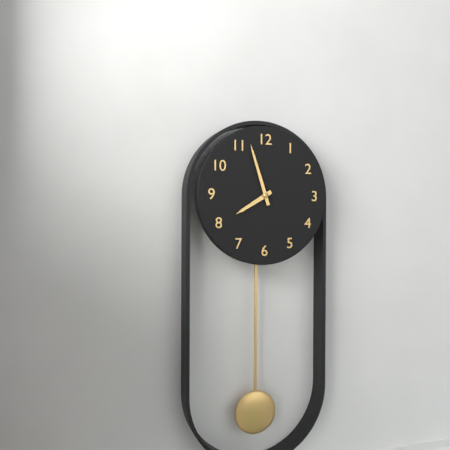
7:57
